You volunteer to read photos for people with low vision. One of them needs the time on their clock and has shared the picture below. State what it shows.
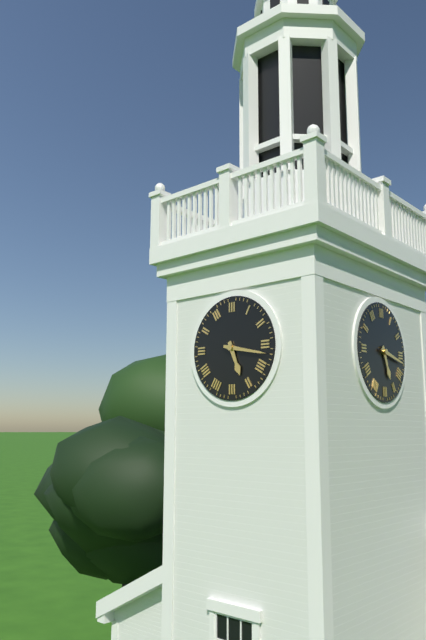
5:17
